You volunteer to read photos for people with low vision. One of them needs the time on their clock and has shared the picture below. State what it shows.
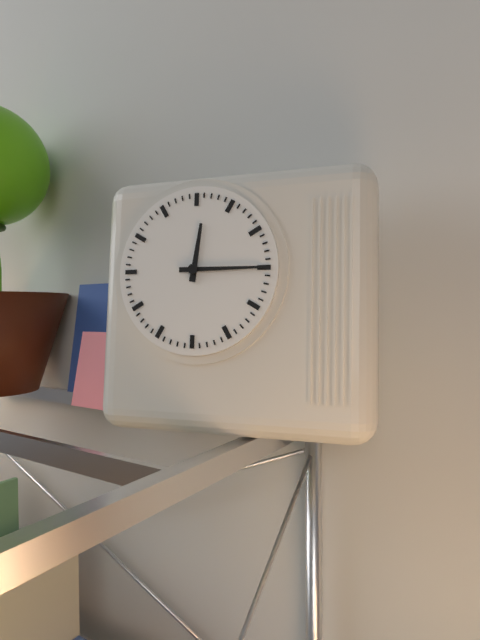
12:15
